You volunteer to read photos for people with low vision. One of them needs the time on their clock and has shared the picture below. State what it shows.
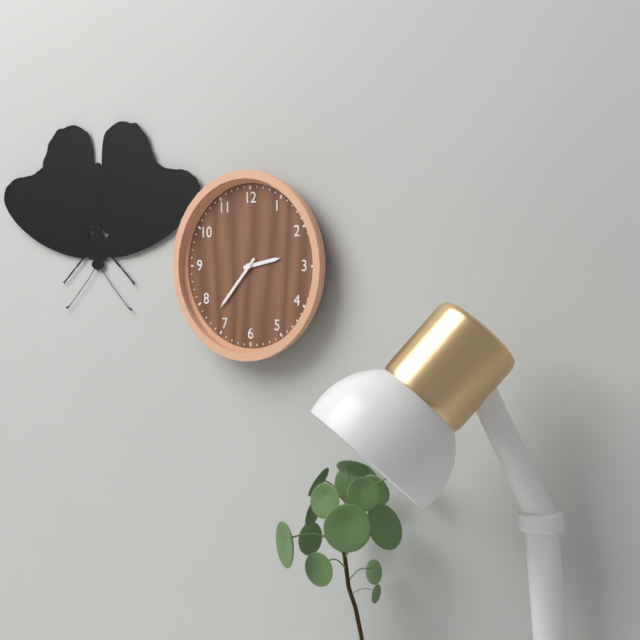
2:37
